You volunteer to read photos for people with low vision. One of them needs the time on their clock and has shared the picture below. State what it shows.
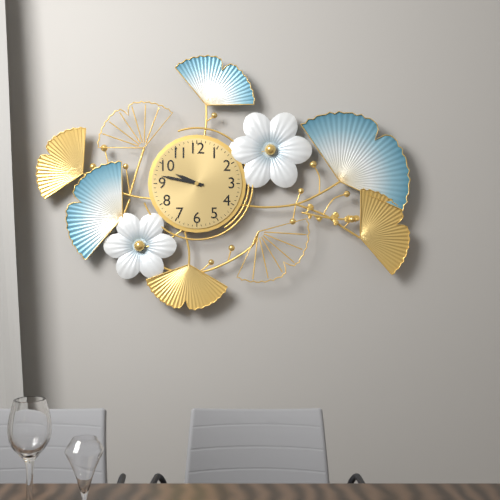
9:47
